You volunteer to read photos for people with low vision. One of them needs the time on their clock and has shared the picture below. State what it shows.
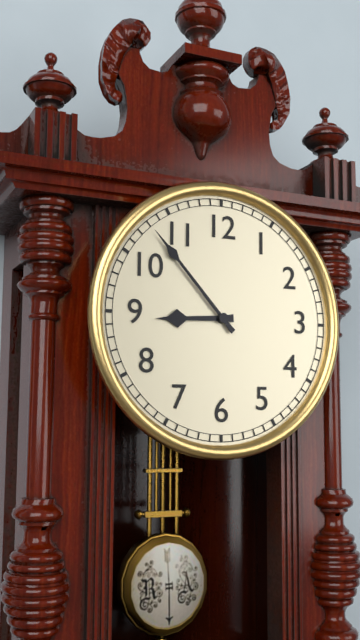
8:53
